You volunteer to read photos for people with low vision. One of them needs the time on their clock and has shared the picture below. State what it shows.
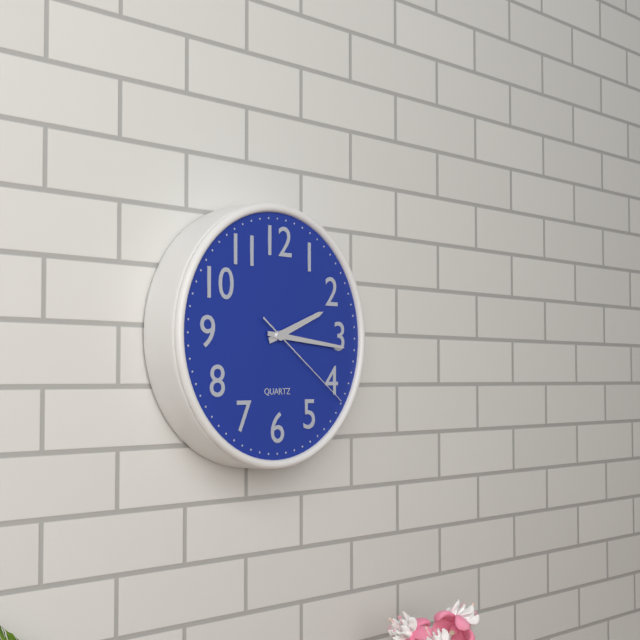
2:16:21
